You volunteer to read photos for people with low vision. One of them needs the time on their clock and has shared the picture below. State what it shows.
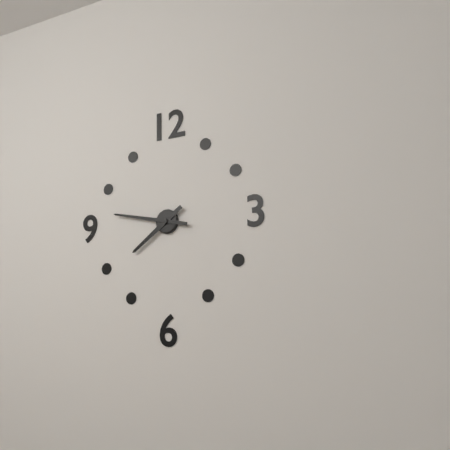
7:47
